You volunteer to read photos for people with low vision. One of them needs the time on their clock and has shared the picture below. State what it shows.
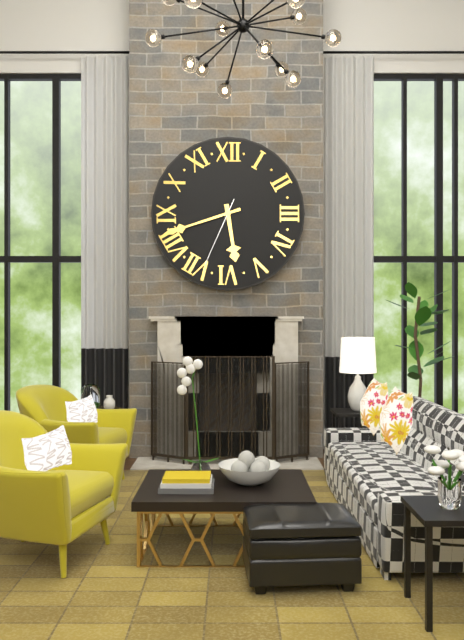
5:42:34
